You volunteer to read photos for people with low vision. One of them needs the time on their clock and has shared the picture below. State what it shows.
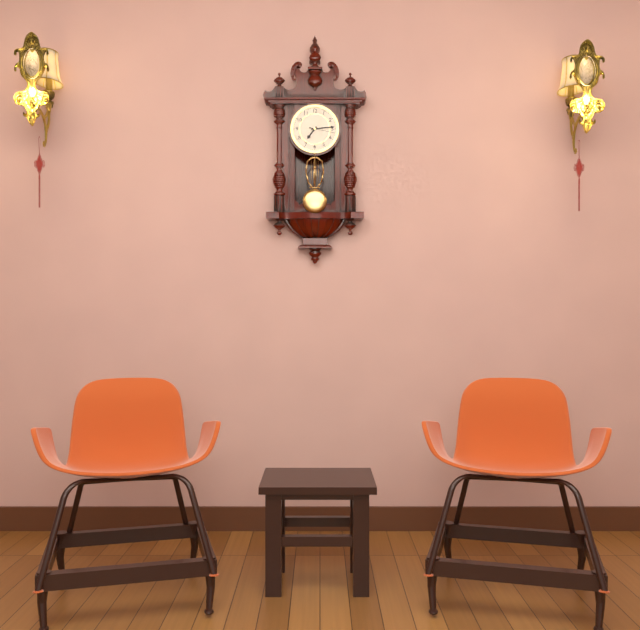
7:14
